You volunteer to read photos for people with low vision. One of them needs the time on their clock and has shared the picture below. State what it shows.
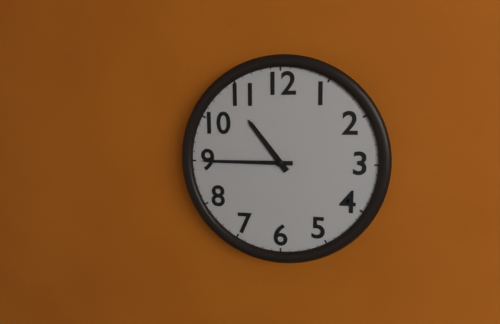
10:45
